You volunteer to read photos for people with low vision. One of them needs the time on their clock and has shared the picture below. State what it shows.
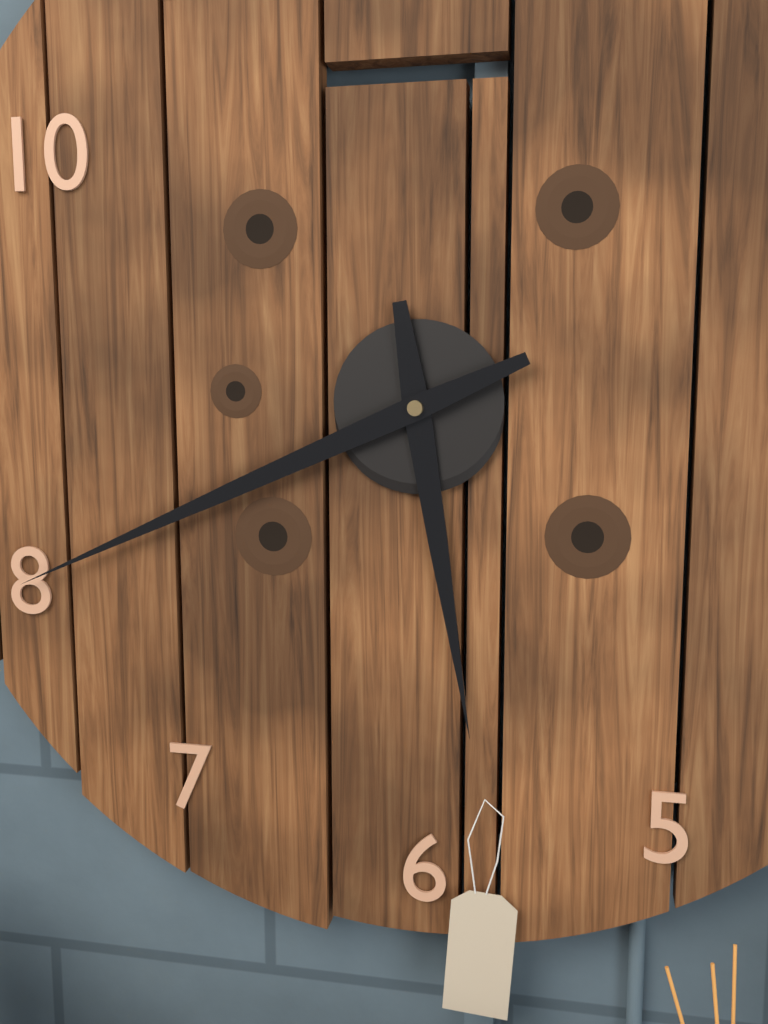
5:41
